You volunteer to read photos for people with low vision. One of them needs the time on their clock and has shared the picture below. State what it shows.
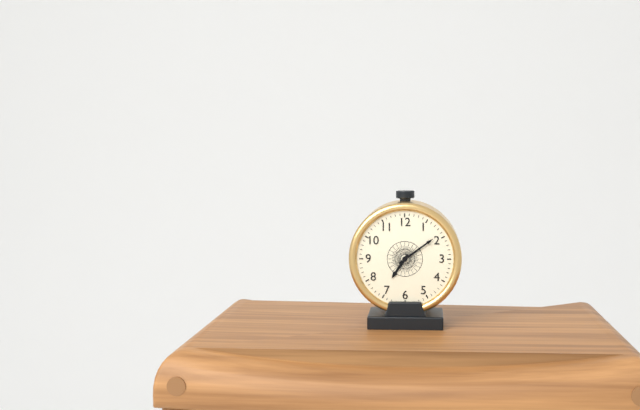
7:09
